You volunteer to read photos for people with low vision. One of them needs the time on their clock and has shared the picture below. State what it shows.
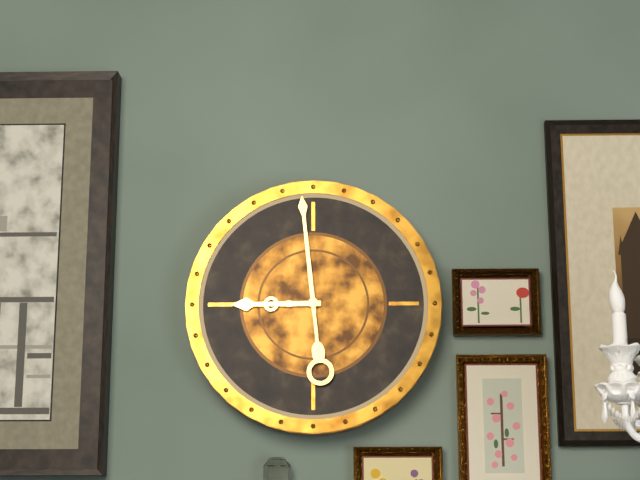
8:59
